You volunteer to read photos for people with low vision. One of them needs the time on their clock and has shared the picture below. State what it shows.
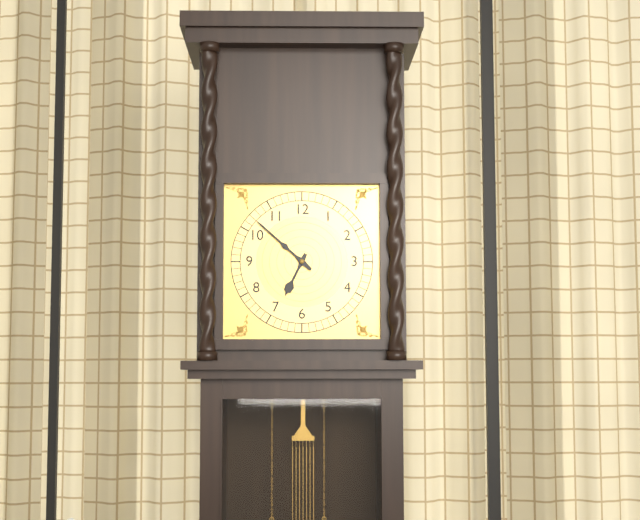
6:52
